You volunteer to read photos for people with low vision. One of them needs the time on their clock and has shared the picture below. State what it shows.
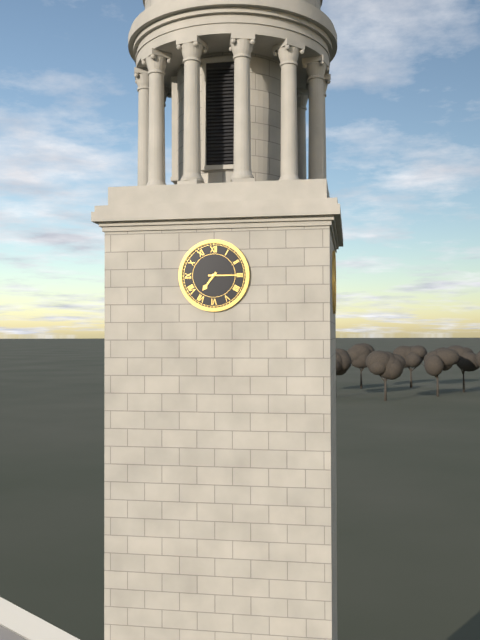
7:15
